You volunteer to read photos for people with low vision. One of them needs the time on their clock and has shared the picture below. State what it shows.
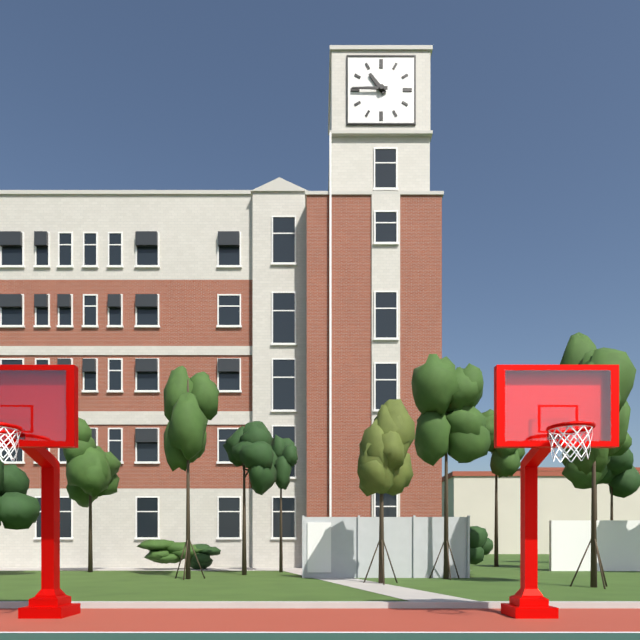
10:45
